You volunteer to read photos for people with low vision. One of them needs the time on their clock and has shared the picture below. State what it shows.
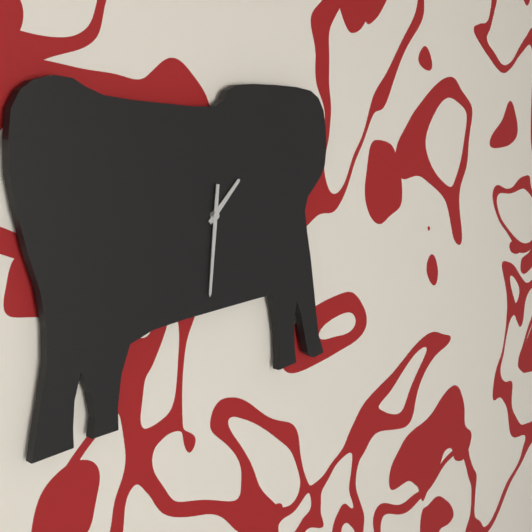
1:31
